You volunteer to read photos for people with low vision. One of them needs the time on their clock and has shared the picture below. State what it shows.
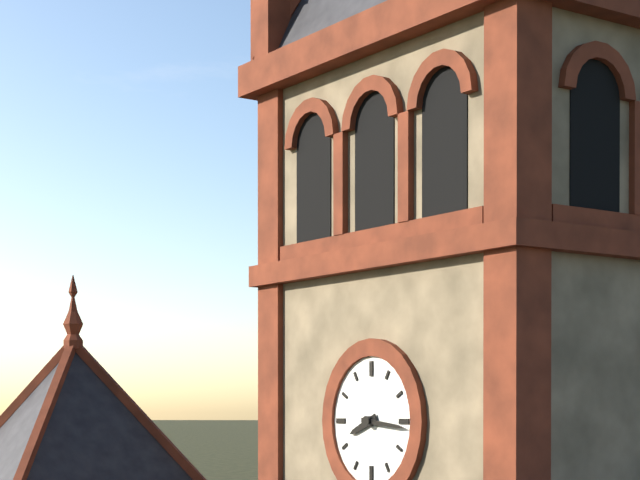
8:16
